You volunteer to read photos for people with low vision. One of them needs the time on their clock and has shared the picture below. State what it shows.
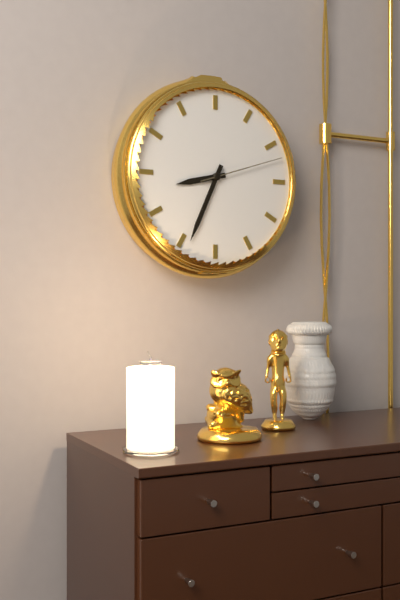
8:34:12
